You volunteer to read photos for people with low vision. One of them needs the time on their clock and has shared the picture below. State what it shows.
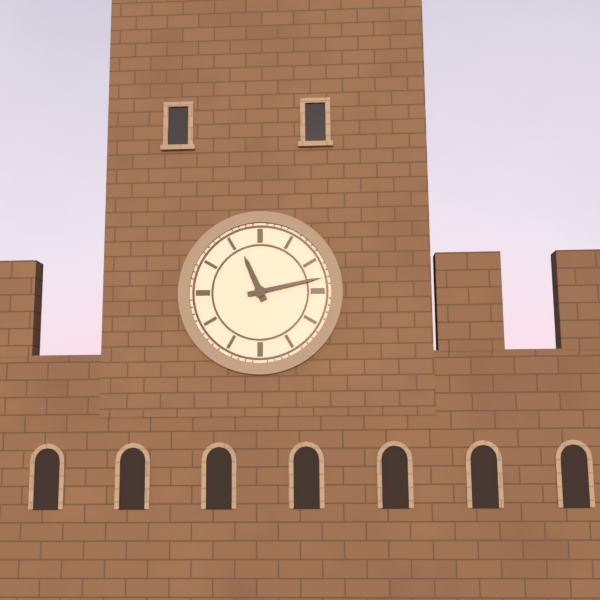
11:13
